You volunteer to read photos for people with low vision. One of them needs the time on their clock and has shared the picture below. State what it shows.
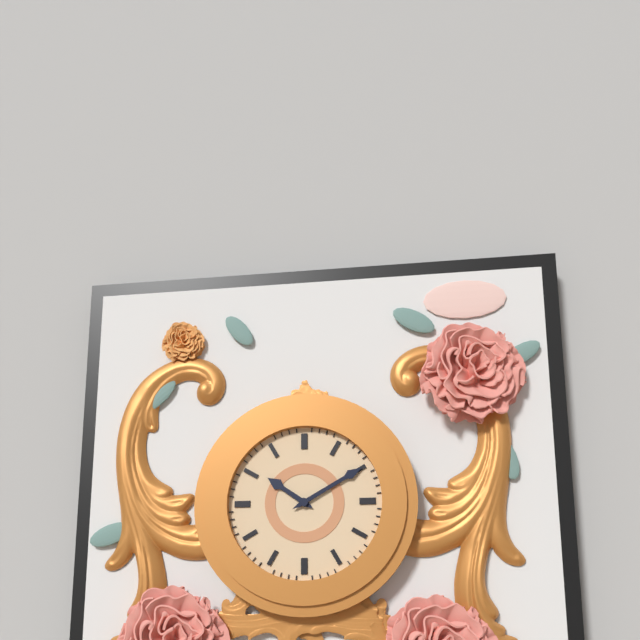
10:10
